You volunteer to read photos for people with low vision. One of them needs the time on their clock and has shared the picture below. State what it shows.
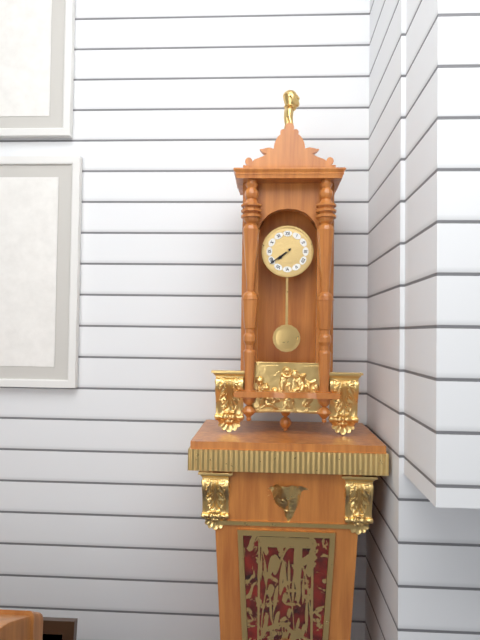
7:39
